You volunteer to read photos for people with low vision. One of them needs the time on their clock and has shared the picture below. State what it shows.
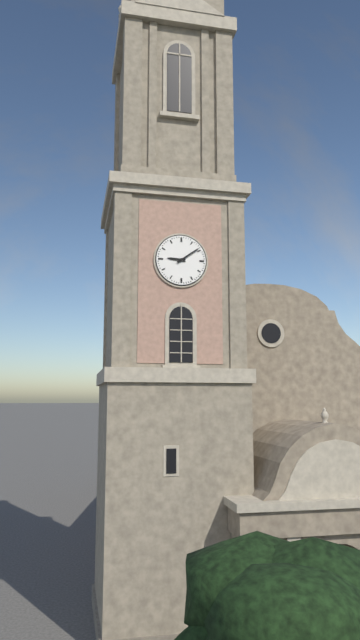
9:09
